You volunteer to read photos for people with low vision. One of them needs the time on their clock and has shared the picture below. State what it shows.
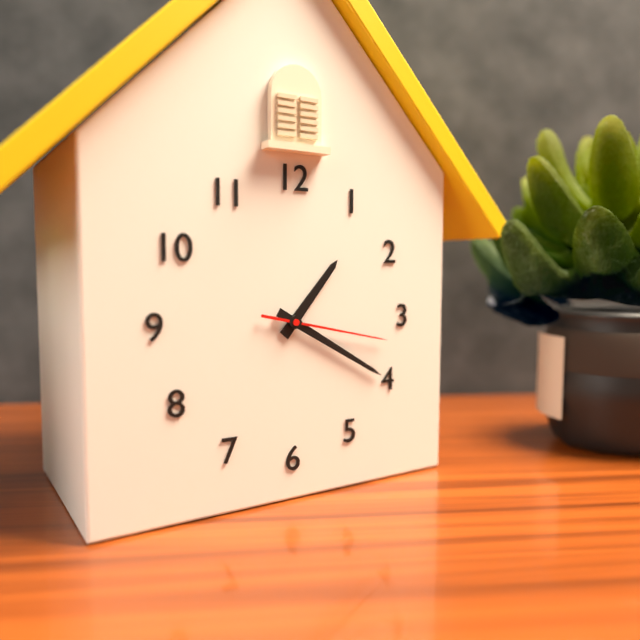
1:20:17
